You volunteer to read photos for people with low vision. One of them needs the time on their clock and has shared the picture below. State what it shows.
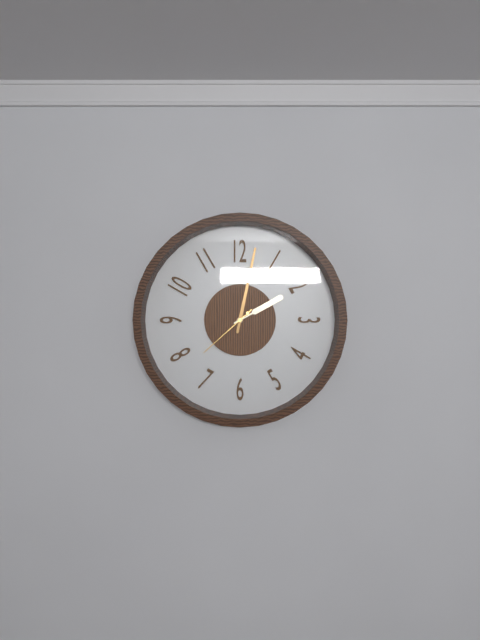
2:02:38
